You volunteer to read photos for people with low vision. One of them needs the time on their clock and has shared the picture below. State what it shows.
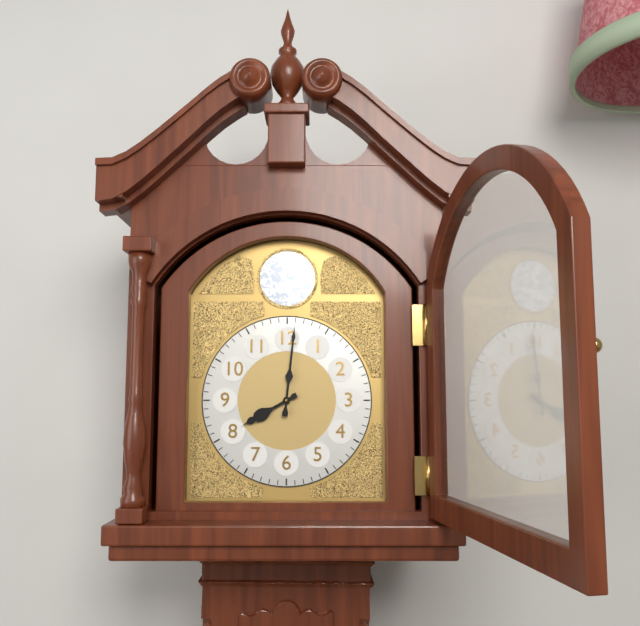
8:01
